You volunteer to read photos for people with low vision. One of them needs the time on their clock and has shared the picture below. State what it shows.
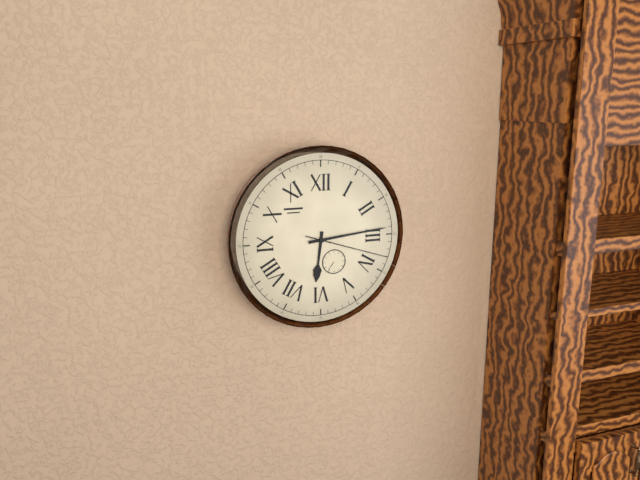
6:14:18
